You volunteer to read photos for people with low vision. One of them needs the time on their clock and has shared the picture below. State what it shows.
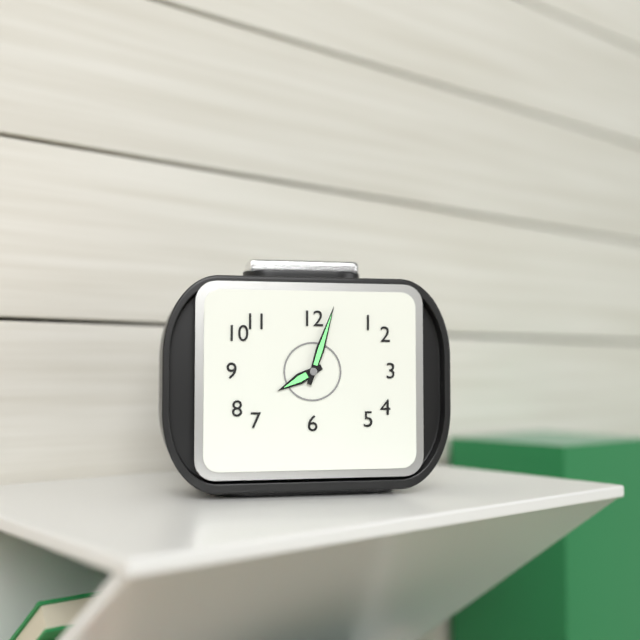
8:03
